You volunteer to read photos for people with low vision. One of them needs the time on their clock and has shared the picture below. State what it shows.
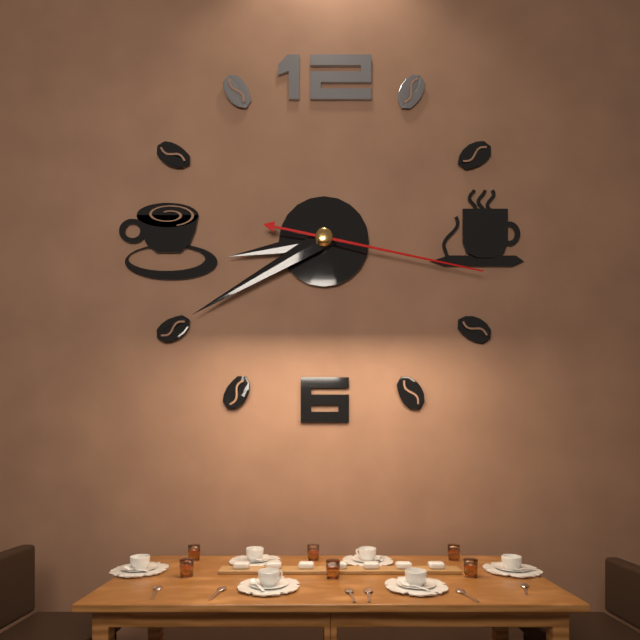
8:40:17
